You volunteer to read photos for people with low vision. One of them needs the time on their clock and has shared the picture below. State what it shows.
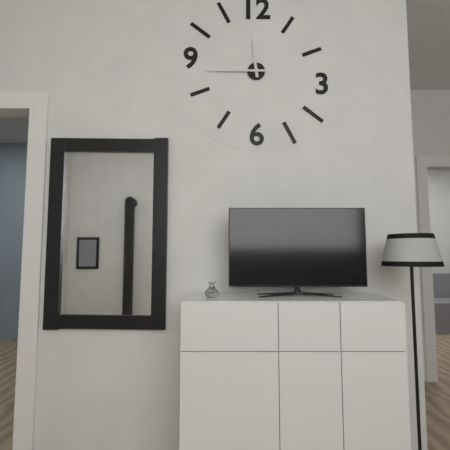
11:45
